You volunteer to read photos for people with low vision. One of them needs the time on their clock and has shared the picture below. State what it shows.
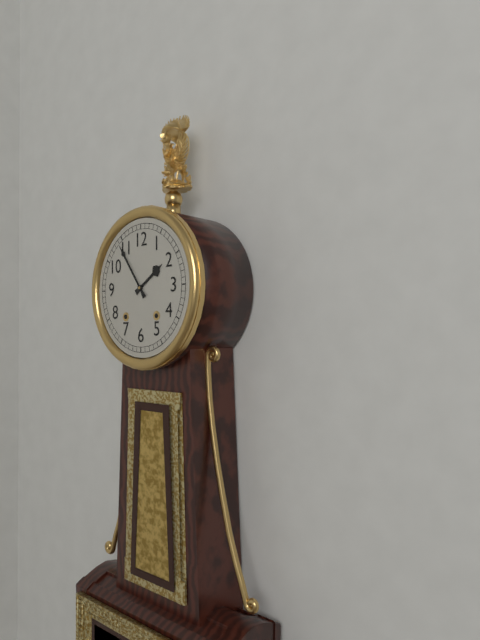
1:54
